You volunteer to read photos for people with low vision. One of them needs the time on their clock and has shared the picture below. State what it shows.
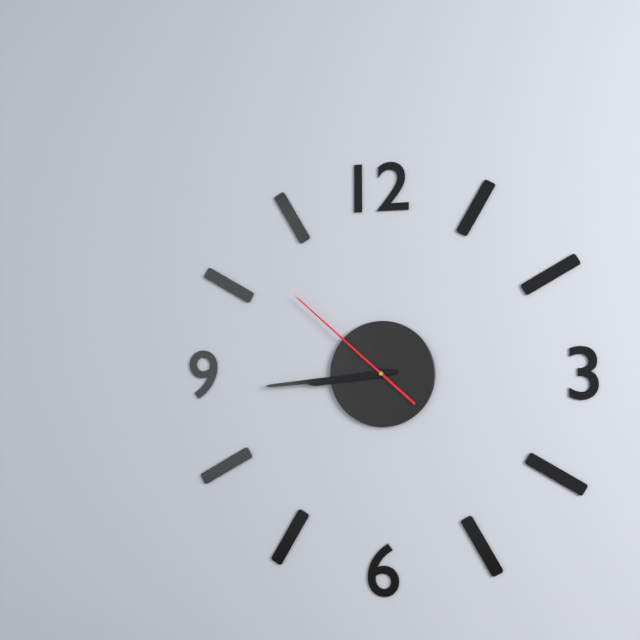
8:44:52
